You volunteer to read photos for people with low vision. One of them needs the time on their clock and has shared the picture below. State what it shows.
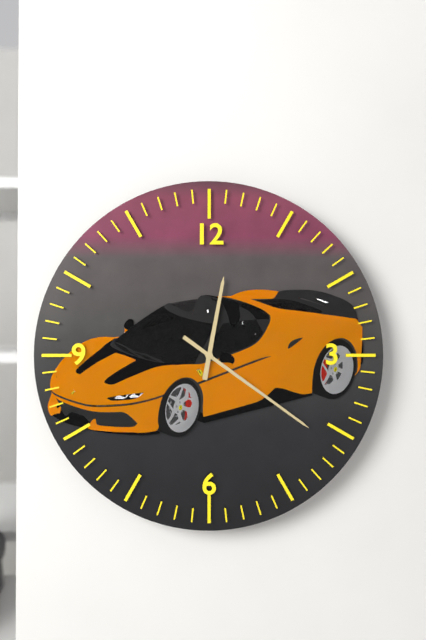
12:21
